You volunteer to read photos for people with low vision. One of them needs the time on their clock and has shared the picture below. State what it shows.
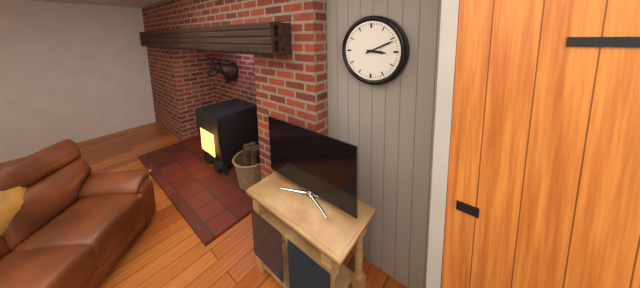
3:11
